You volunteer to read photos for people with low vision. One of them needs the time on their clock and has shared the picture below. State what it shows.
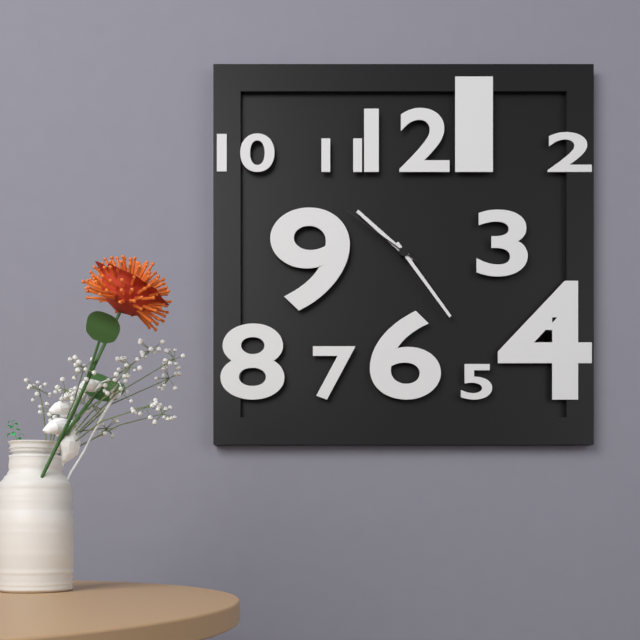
10:24:51
